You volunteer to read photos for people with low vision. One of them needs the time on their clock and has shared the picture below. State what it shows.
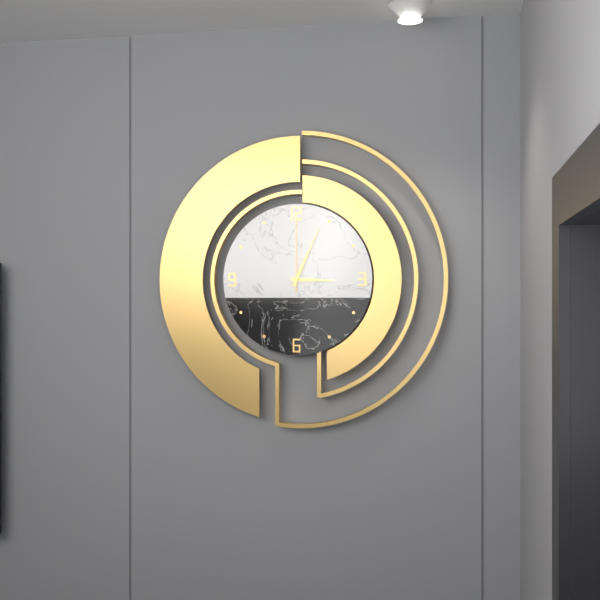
3:04:00
